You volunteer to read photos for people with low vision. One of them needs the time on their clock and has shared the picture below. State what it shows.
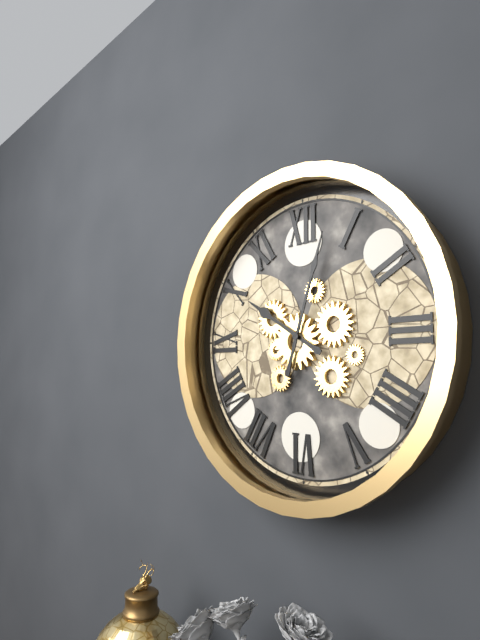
10:03
